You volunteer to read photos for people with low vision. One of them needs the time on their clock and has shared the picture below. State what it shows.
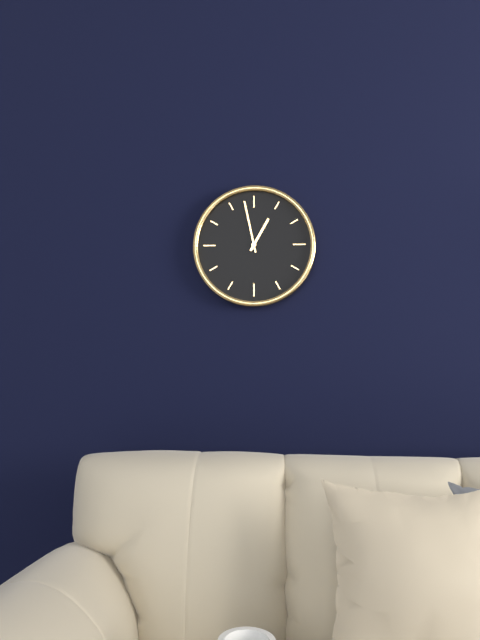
12:58
